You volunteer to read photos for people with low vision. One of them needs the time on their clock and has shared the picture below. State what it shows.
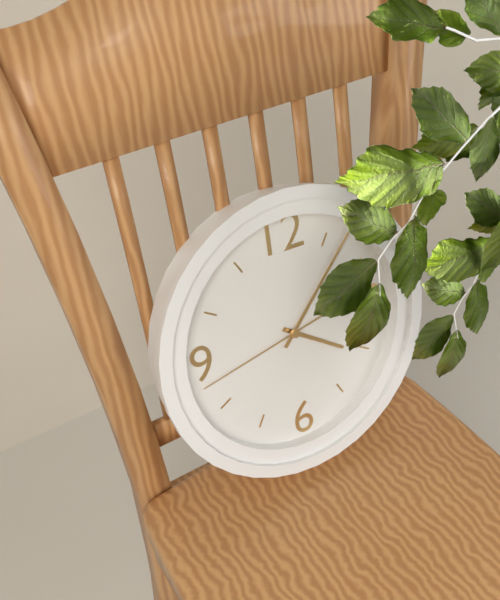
4:07:43
